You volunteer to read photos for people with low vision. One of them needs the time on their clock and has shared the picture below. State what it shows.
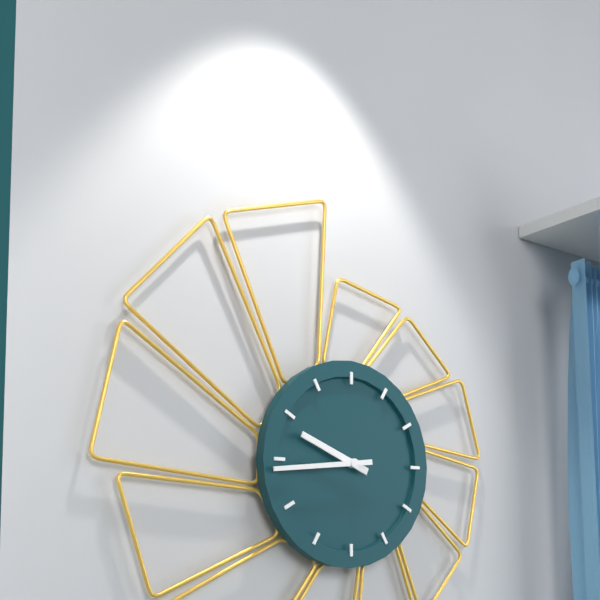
9:44
